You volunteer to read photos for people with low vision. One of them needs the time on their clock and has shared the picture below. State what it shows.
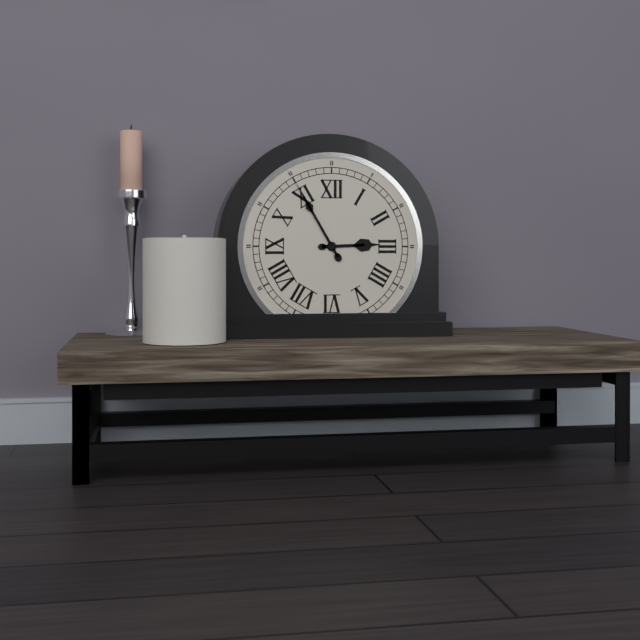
2:55
